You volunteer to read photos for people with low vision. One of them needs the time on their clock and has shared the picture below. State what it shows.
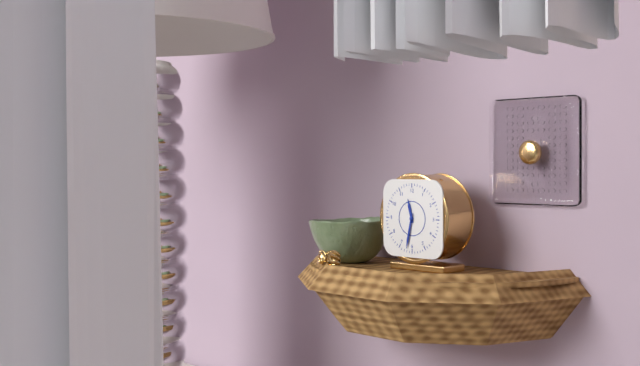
11:32
